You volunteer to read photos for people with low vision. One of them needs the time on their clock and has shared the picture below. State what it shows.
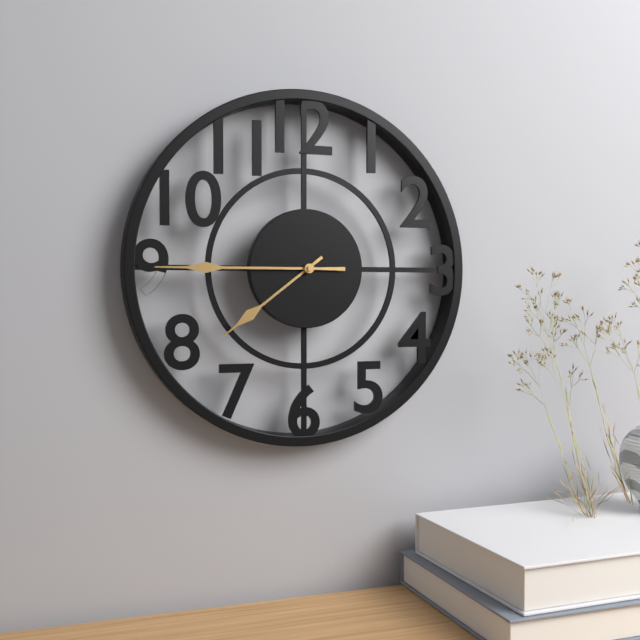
7:45
